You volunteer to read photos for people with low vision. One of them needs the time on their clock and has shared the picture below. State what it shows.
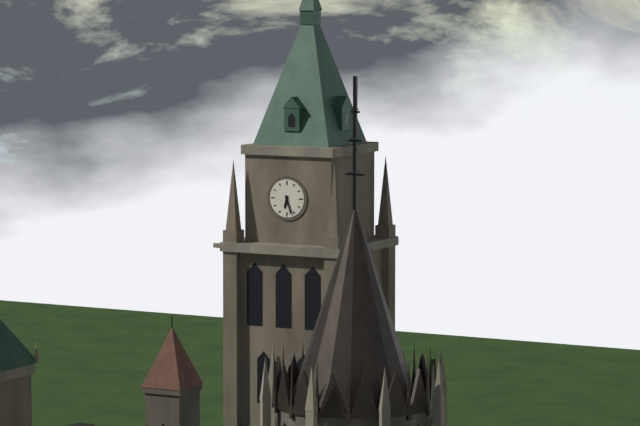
6:27
